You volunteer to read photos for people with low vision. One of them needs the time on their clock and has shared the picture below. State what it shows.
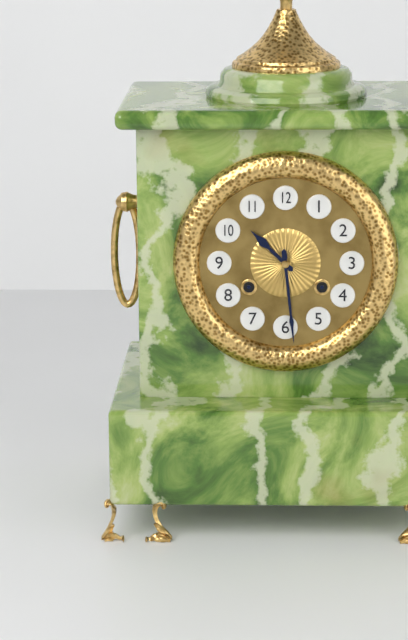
10:29
